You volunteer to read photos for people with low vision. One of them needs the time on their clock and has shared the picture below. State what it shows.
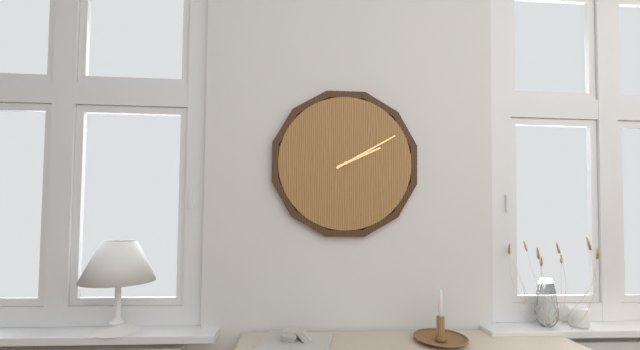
2:10
